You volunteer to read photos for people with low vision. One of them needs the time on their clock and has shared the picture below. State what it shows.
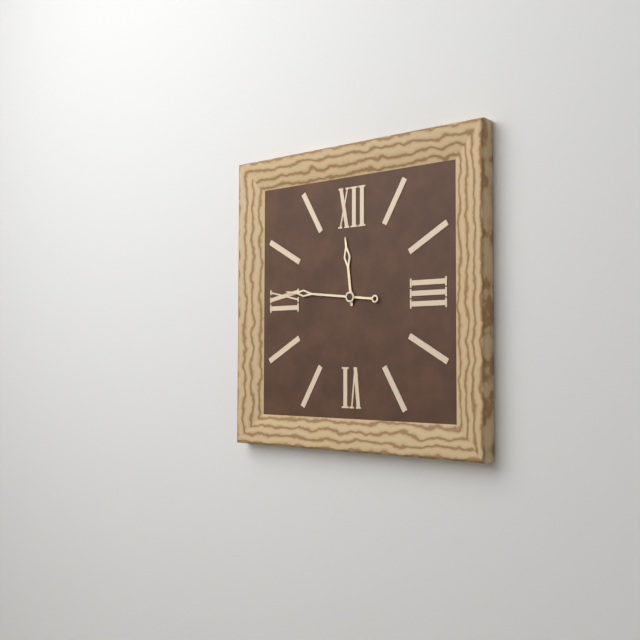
11:46
